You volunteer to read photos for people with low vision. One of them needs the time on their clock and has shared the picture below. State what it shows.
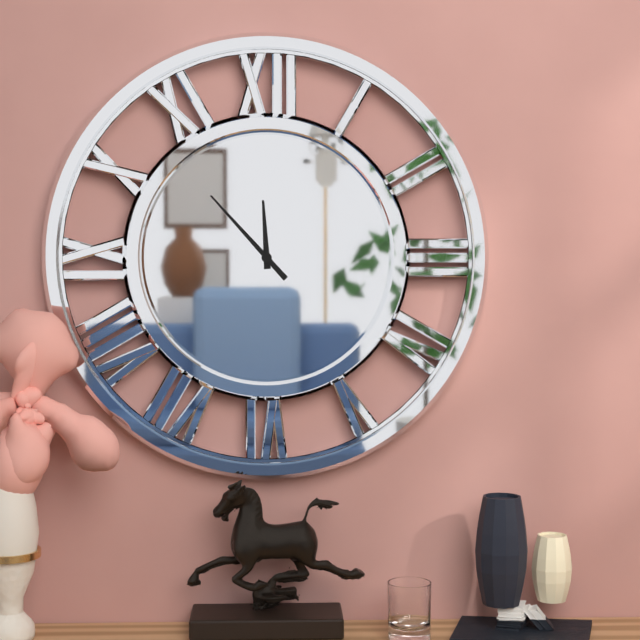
11:53
